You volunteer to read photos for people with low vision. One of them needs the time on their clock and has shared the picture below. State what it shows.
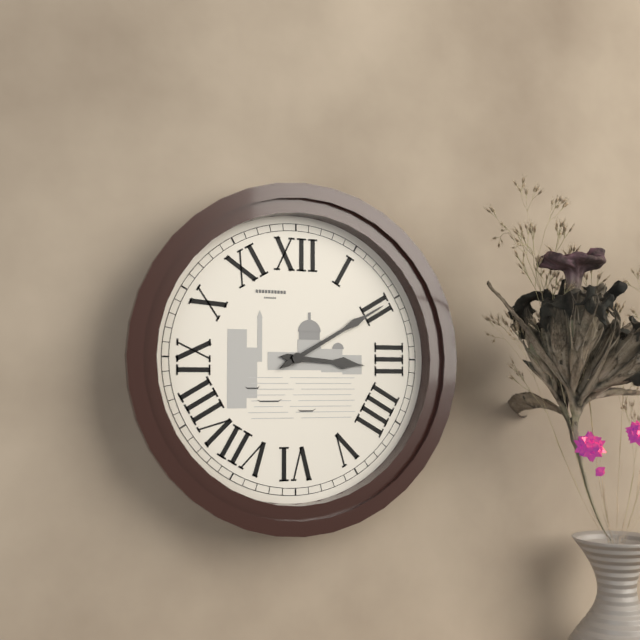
3:10
